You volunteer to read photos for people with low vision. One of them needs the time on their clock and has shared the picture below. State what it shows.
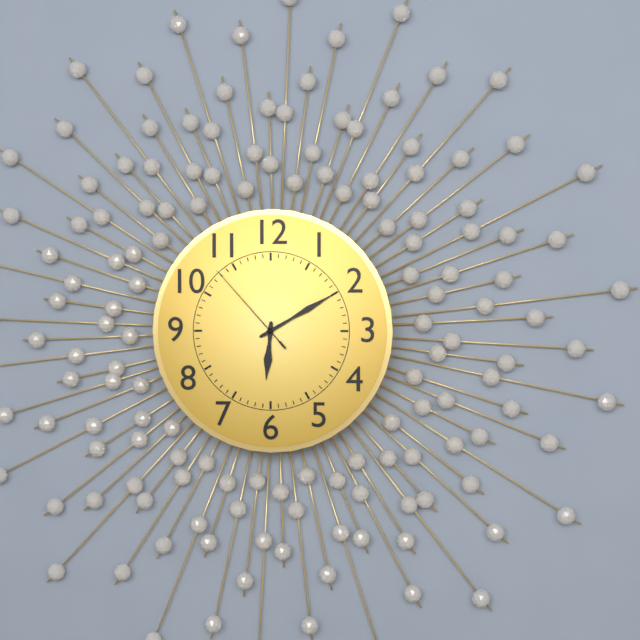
6:10:53
